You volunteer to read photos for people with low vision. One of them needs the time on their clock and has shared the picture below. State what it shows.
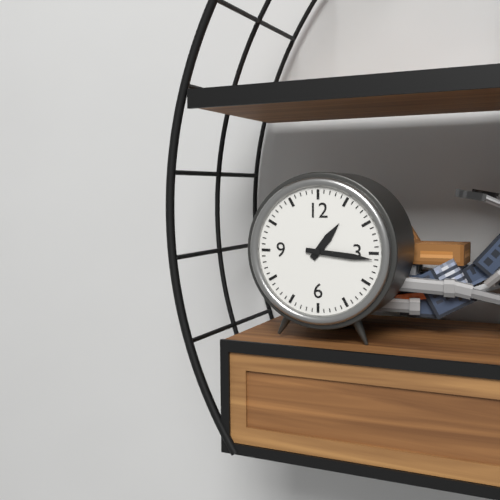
1:16
